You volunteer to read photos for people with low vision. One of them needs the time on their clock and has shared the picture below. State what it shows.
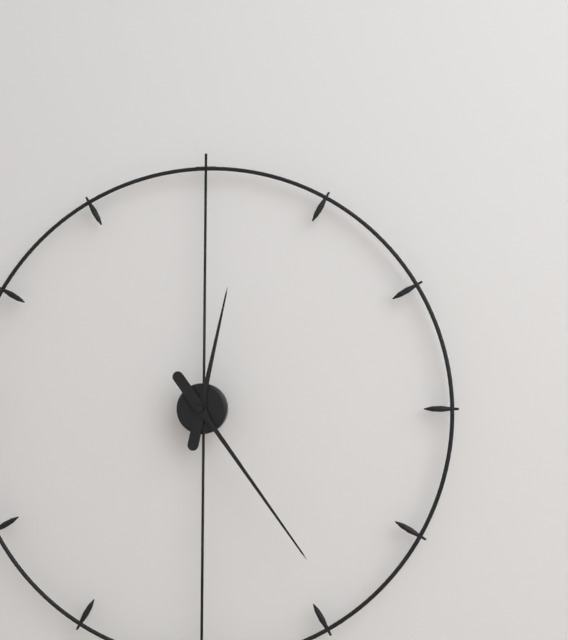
12:24
